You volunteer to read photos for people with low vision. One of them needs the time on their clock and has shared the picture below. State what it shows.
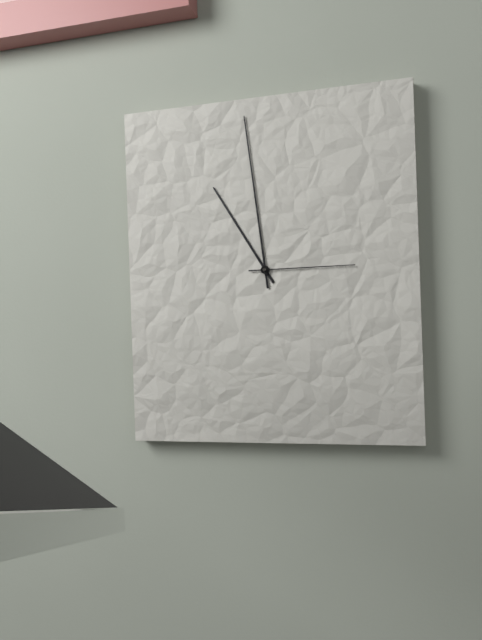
10:59:15
